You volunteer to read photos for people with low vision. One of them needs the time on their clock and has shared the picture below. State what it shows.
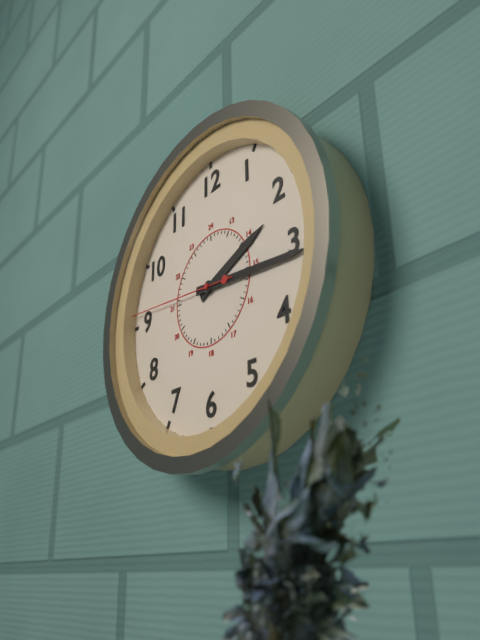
2:16:46
